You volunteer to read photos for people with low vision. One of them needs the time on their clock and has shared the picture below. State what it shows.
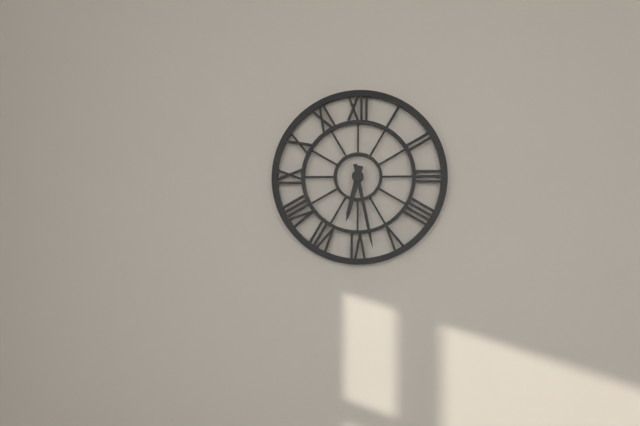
6:28
